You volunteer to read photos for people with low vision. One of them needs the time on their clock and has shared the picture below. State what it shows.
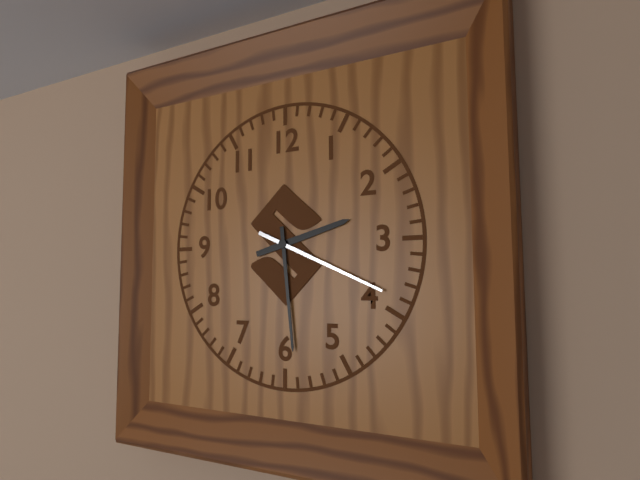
2:29:19
